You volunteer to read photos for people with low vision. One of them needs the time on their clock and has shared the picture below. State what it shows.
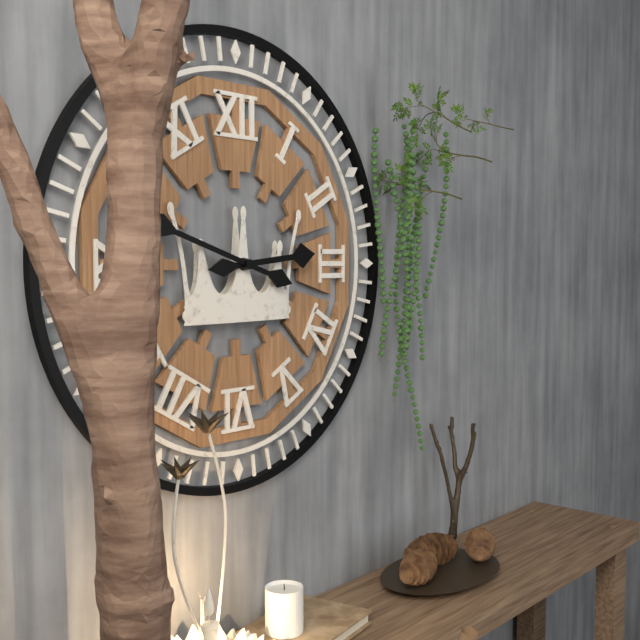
2:48
